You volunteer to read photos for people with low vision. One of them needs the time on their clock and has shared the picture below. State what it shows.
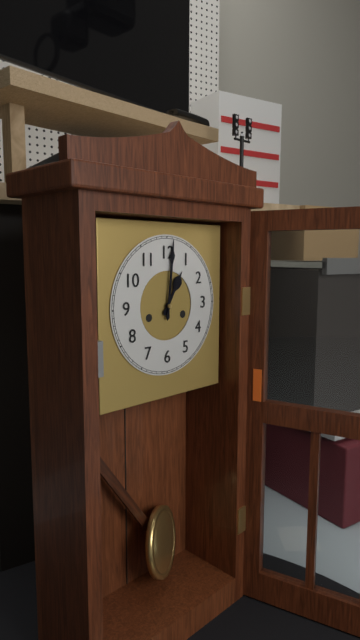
1:01
